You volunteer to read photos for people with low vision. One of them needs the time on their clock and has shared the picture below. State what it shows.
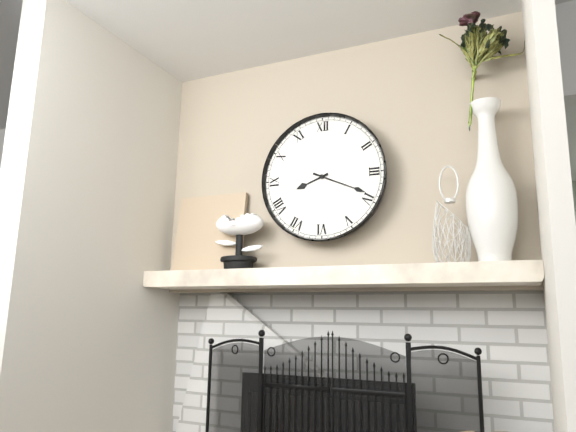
8:19
